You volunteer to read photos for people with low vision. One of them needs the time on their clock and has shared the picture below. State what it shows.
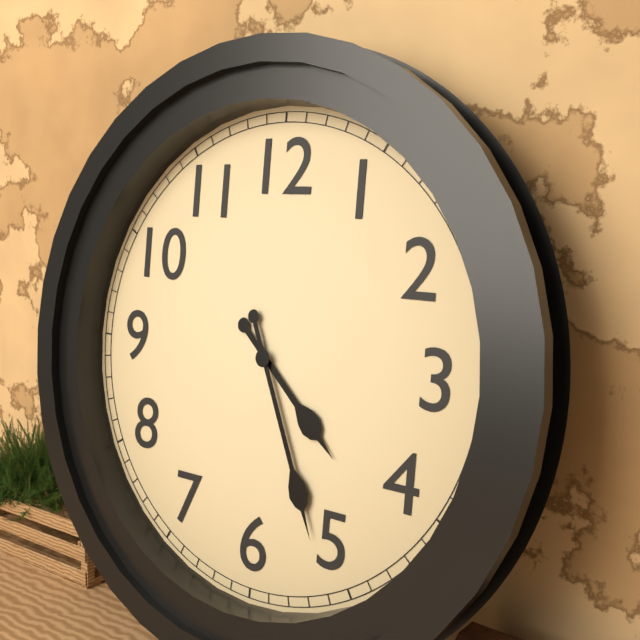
4:26
